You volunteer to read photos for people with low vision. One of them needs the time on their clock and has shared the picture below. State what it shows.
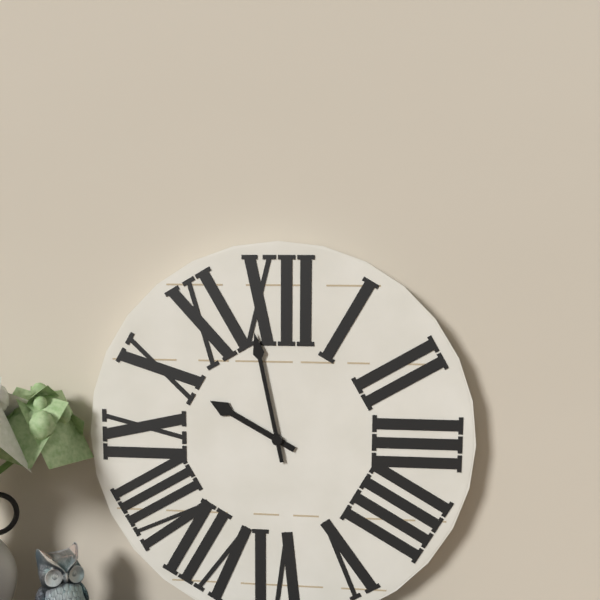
9:58
